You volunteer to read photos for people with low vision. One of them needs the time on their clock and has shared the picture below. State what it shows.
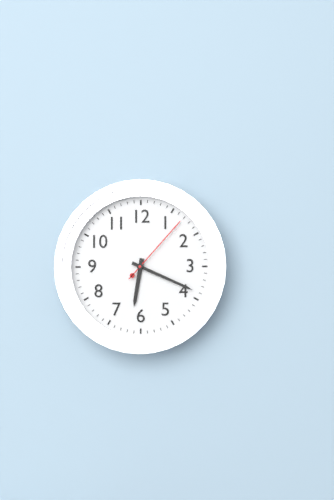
6:19:07
